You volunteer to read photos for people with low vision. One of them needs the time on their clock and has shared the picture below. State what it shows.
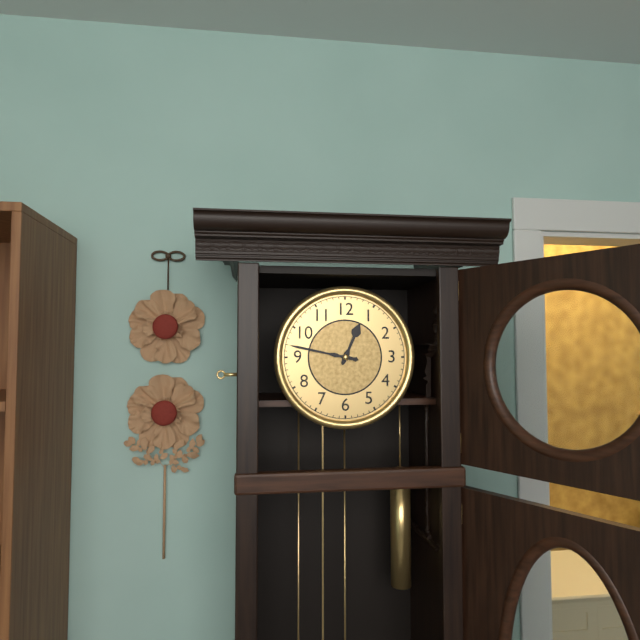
12:47
